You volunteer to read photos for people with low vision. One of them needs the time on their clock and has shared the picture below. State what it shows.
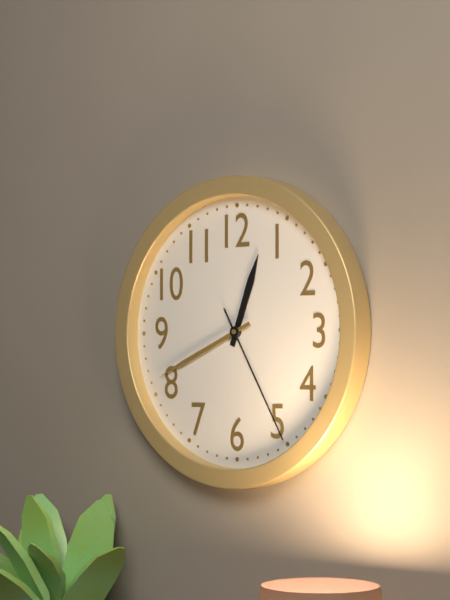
12:41:25
